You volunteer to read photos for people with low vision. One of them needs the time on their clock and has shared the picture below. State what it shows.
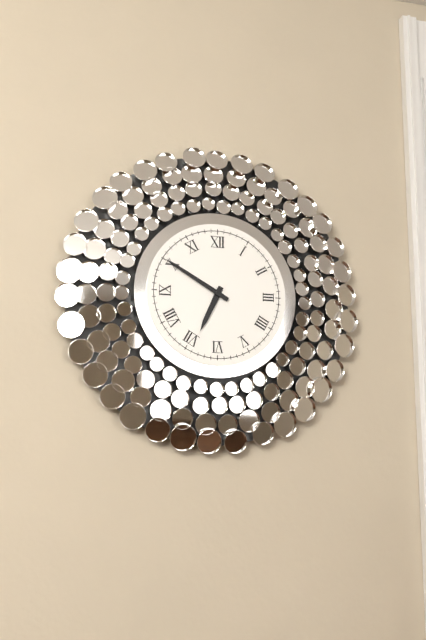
6:50
